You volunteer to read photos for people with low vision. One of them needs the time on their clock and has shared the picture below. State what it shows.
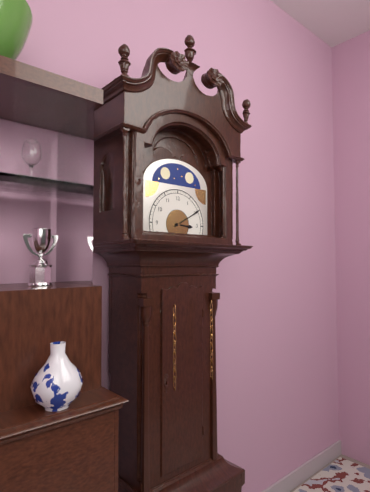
3:10
